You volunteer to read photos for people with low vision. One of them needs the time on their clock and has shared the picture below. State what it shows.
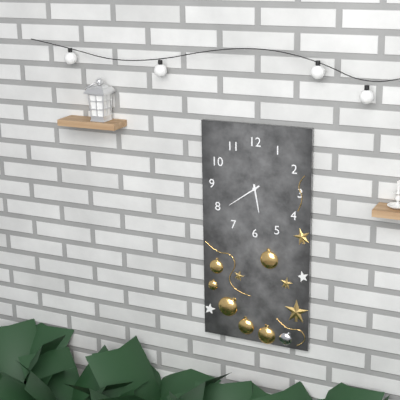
5:39
